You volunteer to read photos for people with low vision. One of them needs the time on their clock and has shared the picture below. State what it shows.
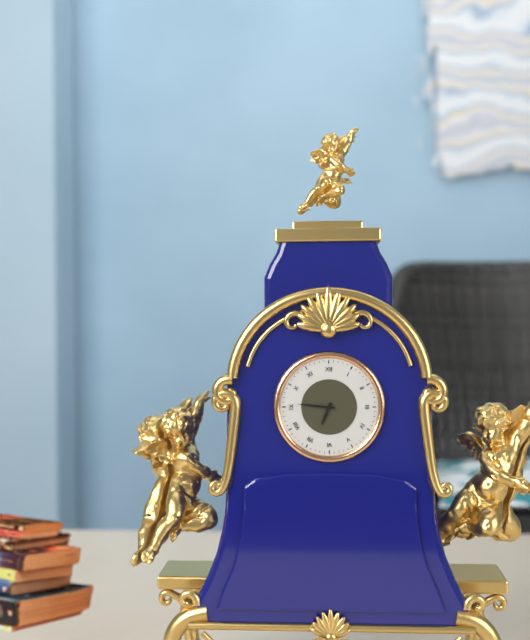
6:46
